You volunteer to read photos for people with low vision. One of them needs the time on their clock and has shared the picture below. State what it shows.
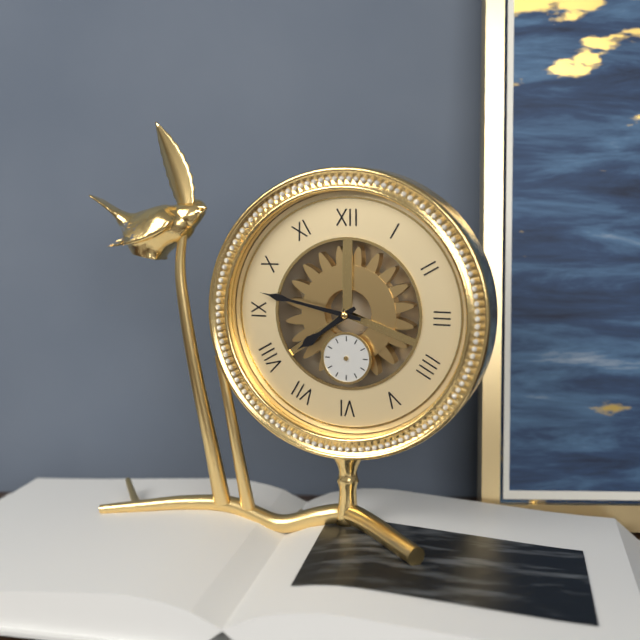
7:47
